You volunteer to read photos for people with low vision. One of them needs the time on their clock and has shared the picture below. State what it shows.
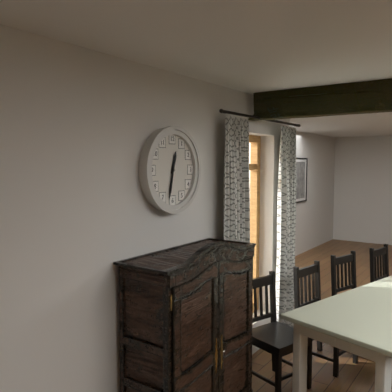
12:32
